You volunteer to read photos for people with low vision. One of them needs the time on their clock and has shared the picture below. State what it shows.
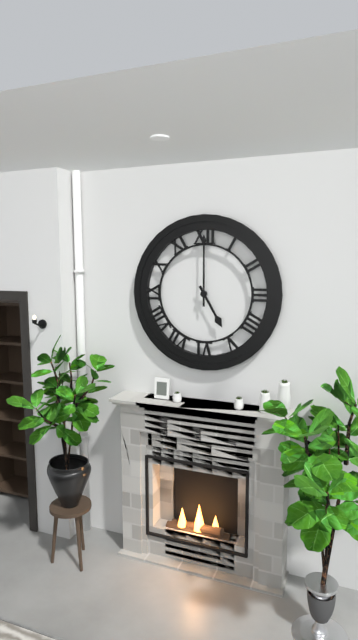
5:00
